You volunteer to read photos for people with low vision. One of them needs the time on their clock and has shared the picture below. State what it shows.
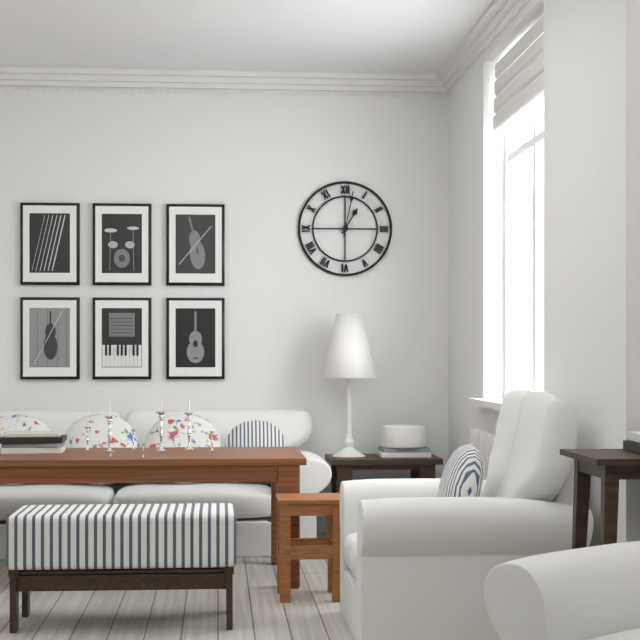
1:02
